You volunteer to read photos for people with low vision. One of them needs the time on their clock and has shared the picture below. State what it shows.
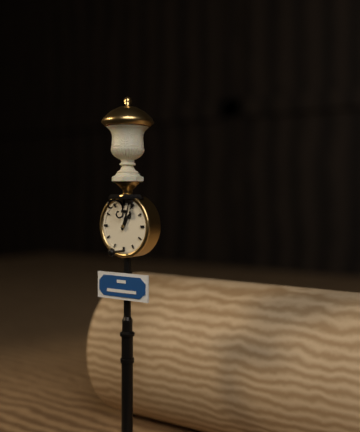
1:03
